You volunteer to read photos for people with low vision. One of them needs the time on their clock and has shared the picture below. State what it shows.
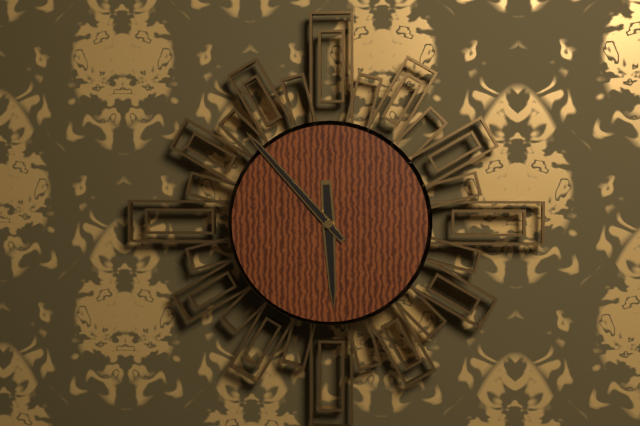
5:53
